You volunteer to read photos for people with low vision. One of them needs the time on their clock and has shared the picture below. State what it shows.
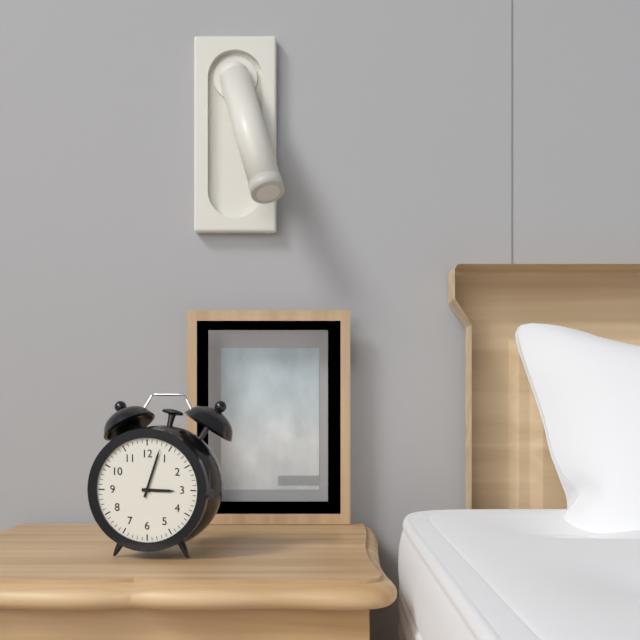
3:03
